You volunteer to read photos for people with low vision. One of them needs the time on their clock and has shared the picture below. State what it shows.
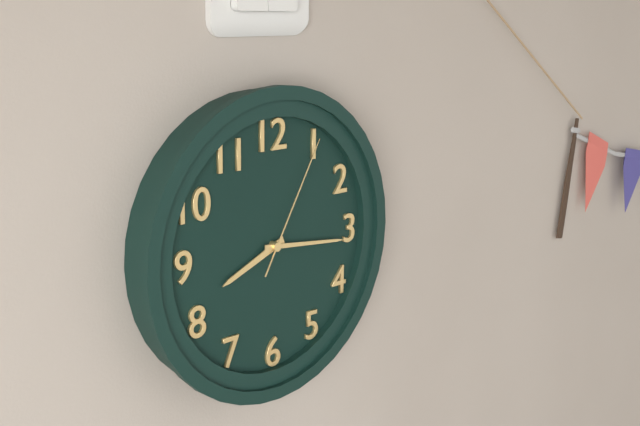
8:16:05
